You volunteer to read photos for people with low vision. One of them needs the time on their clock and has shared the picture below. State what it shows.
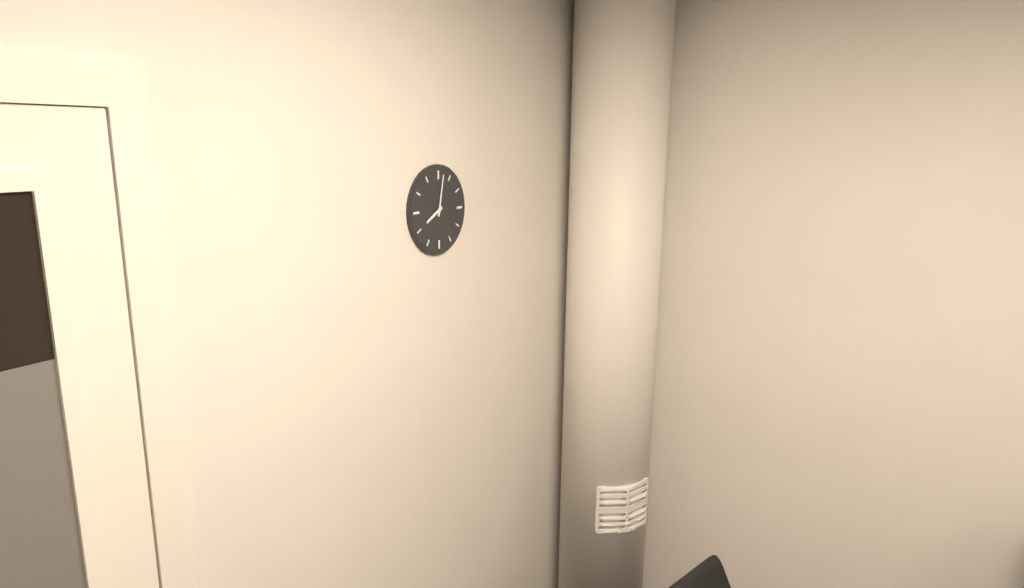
8:02
